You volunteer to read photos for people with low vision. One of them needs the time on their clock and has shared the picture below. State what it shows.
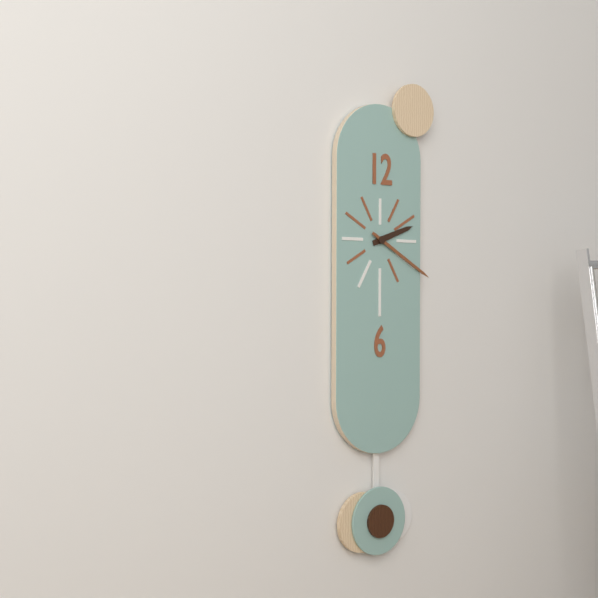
2:20
